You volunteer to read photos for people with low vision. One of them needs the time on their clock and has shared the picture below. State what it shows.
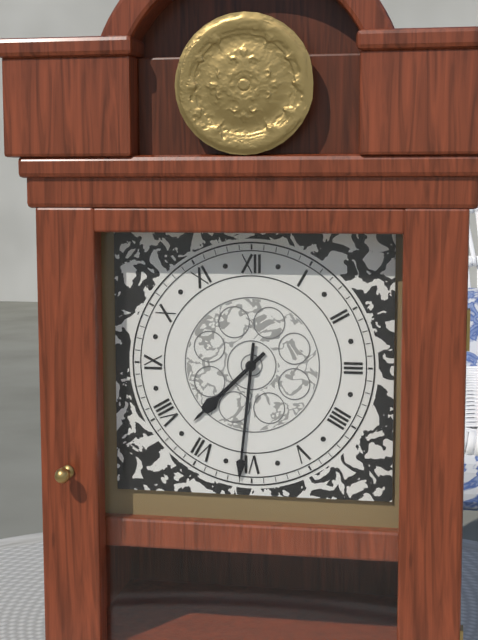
7:31
